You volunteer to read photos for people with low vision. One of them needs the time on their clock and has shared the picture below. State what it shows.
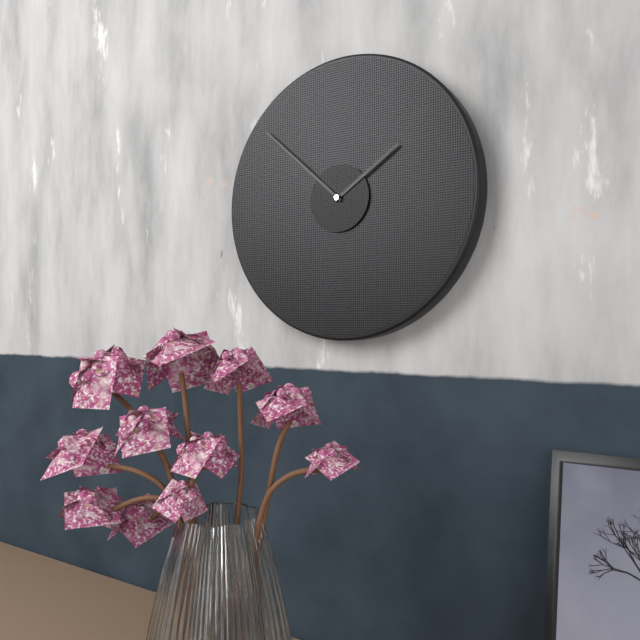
1:52
